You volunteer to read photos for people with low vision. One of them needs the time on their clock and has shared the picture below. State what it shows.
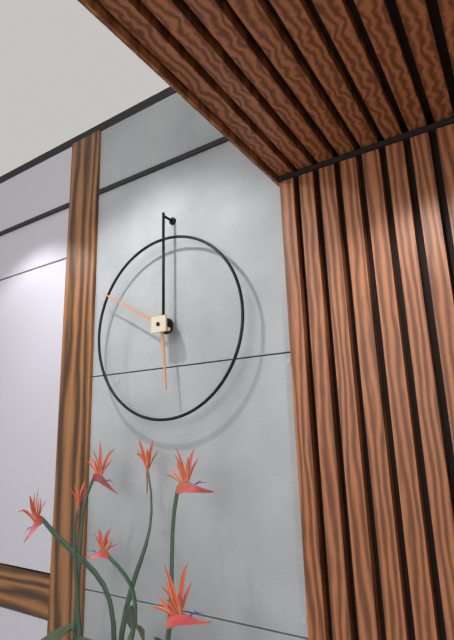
5:50
